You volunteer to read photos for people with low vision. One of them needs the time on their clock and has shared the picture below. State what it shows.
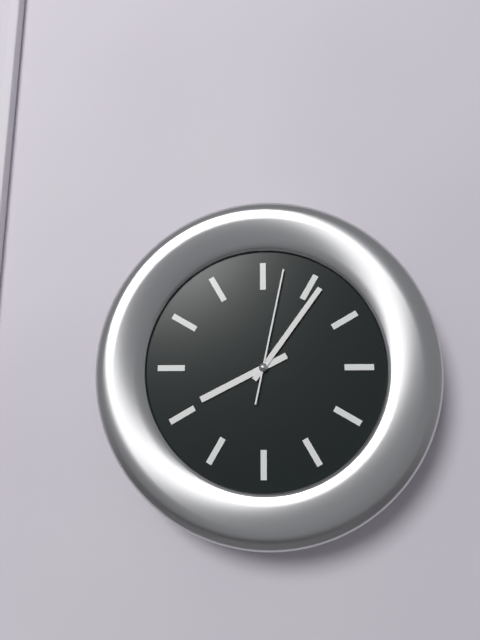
8:06:02
